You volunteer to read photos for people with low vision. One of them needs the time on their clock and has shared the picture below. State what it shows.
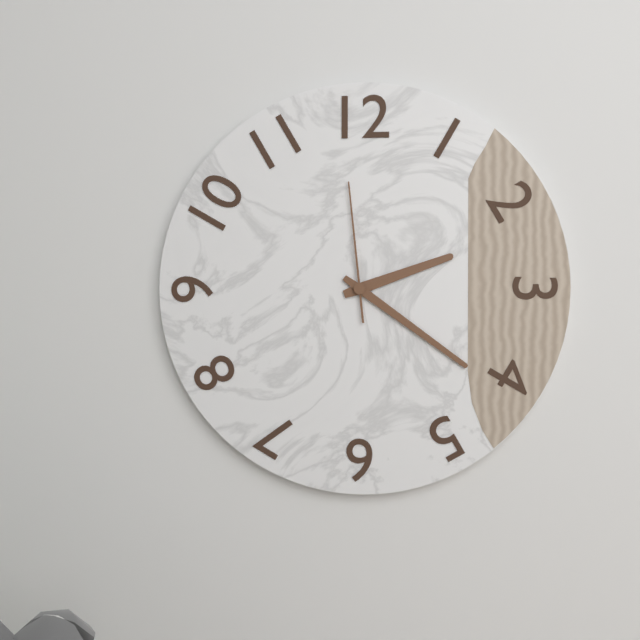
2:21:59
